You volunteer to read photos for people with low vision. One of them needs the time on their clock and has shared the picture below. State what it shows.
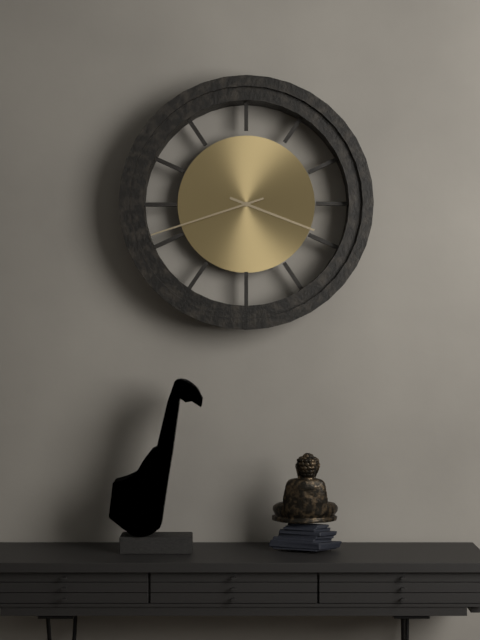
3:42
